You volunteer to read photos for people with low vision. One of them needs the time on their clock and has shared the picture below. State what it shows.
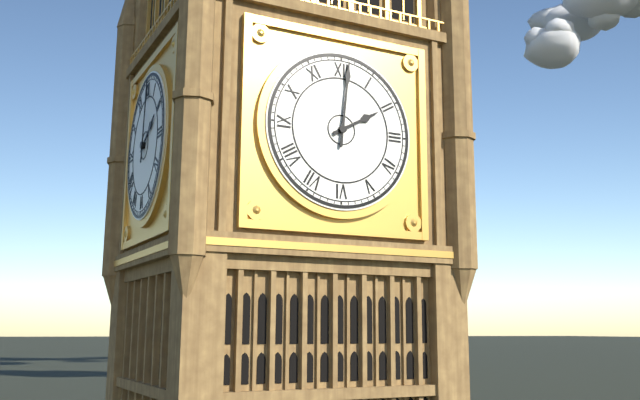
2:01
